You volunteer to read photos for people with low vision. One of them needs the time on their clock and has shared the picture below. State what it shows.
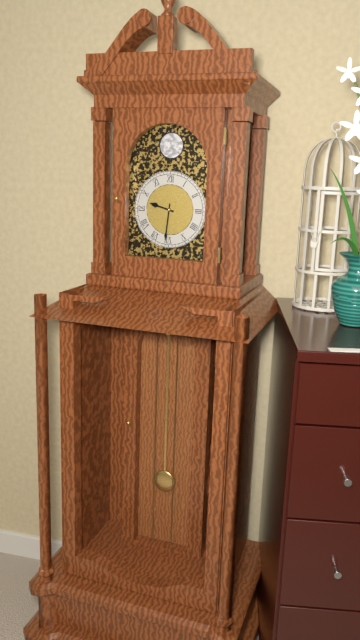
9:31
